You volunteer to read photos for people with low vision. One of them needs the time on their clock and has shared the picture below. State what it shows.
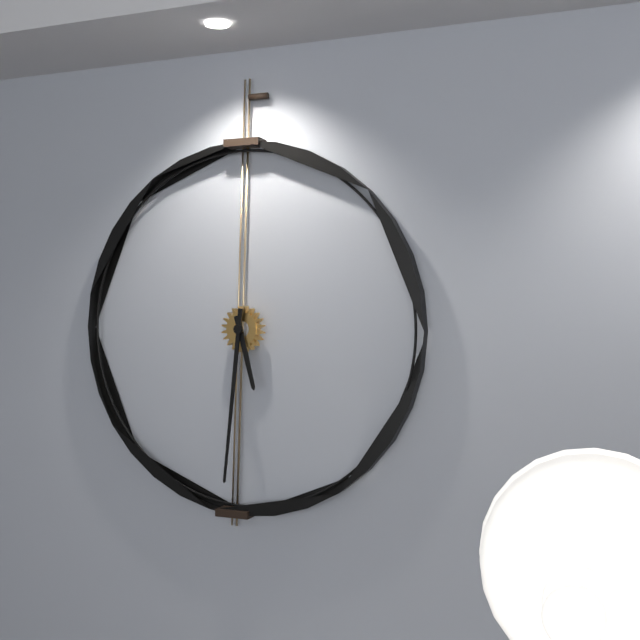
5:31
